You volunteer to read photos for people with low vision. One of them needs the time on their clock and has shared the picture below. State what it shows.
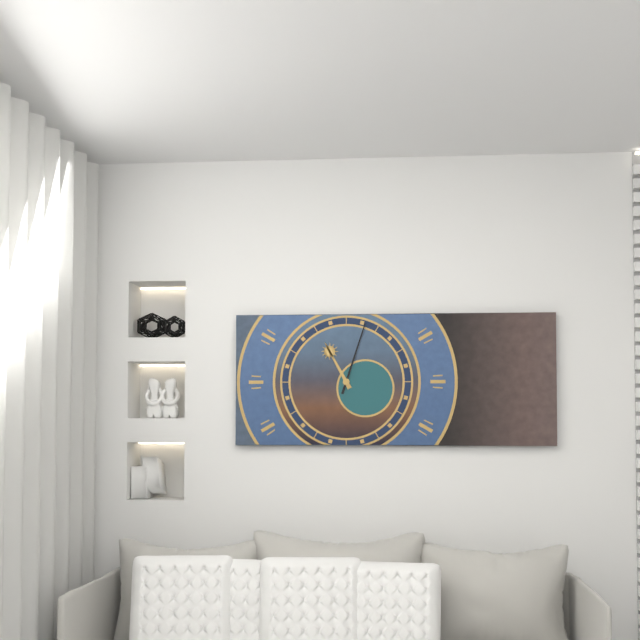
11:03
